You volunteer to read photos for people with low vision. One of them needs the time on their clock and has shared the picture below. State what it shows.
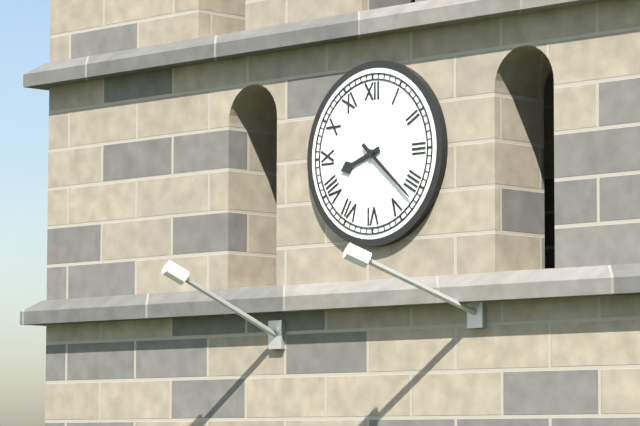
8:22
